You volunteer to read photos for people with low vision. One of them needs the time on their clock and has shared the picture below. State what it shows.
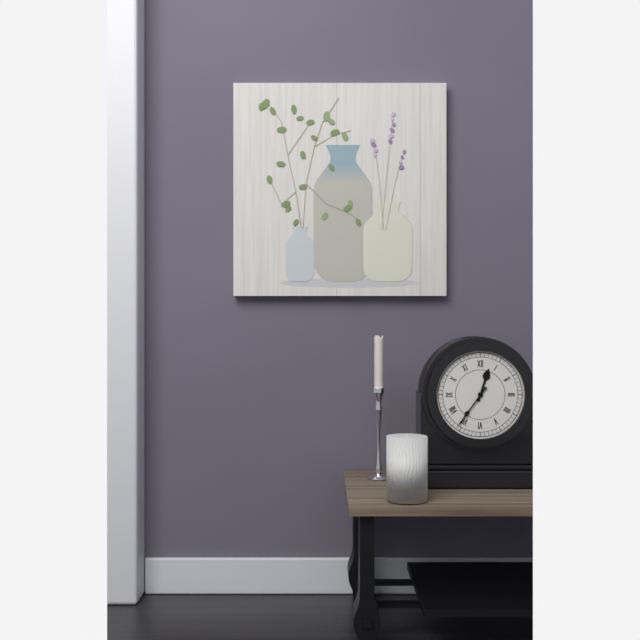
12:36
